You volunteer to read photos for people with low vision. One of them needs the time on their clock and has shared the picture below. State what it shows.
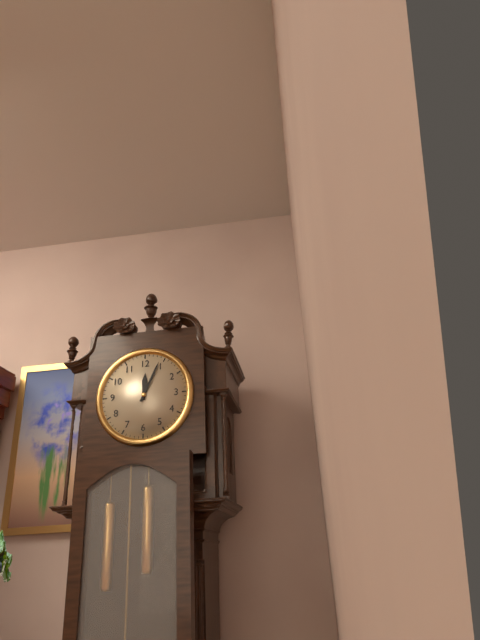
12:04
